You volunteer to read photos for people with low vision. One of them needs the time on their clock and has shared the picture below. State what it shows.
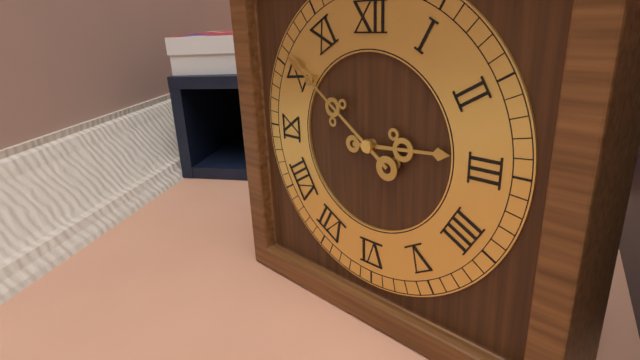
2:51
